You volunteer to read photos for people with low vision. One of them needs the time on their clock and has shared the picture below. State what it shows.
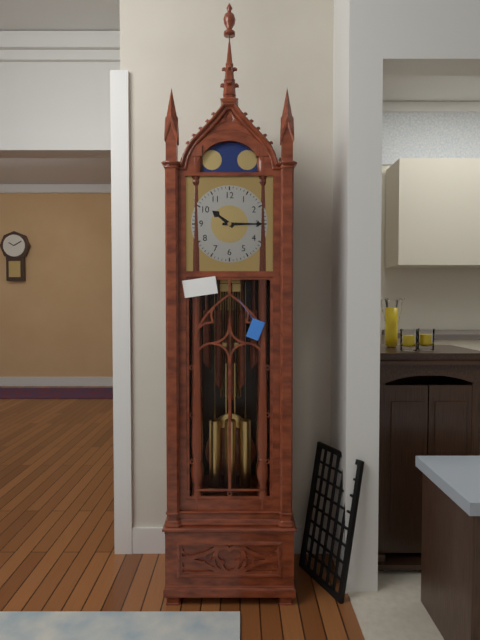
10:15
